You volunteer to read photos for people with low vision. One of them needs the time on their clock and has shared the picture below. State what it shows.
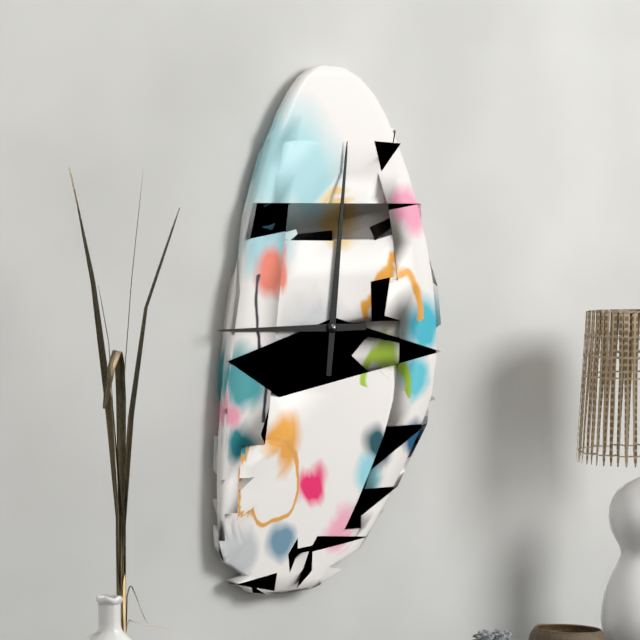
9:01
